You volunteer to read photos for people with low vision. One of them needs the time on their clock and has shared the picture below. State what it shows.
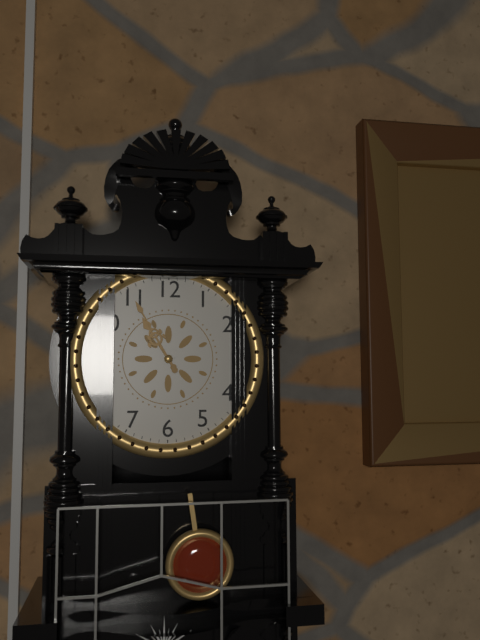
10:55
